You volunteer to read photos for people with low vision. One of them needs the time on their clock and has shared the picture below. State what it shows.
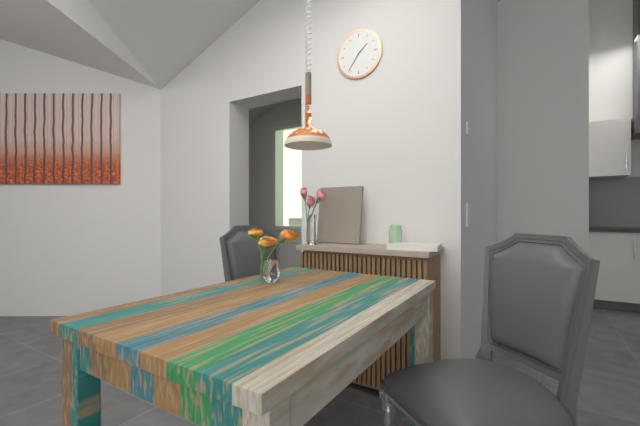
1:36
